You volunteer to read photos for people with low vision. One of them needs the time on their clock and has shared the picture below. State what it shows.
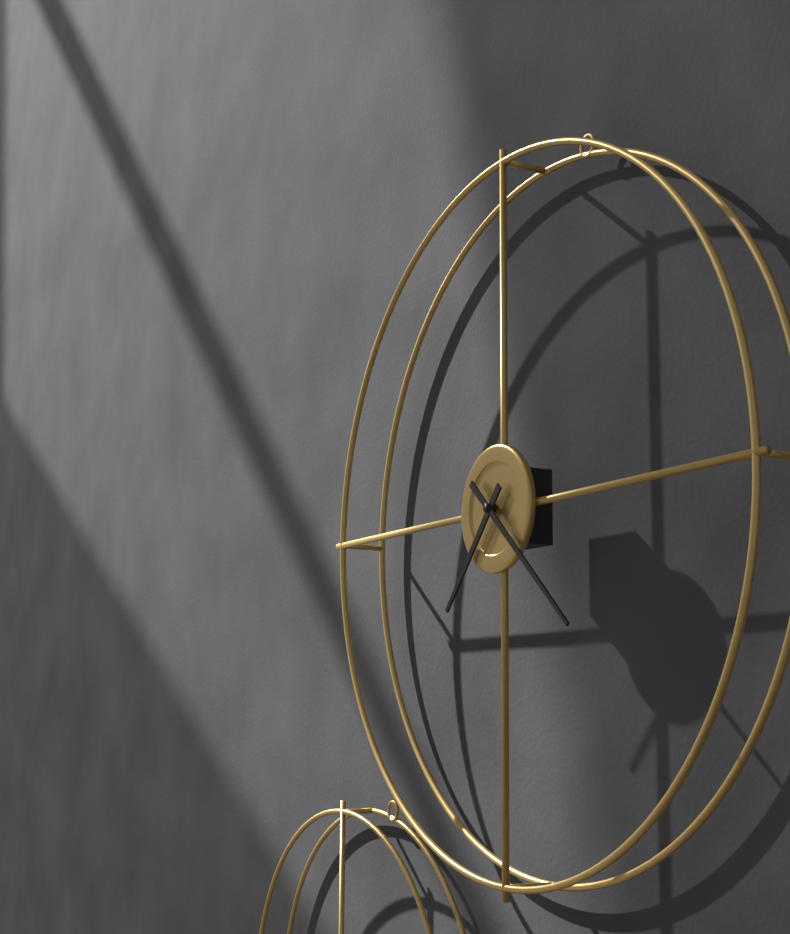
7:22
